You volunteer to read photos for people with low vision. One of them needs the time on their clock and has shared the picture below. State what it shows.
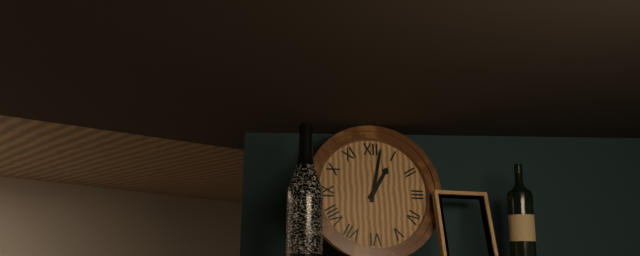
1:02
